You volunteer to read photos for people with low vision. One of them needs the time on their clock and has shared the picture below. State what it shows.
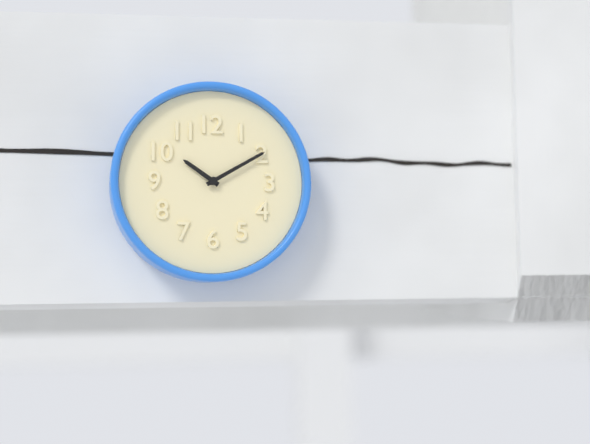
10:10
